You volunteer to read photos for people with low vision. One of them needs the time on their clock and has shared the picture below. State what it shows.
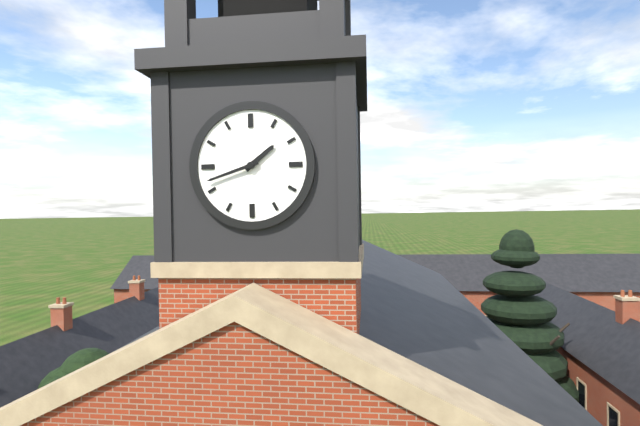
1:42
